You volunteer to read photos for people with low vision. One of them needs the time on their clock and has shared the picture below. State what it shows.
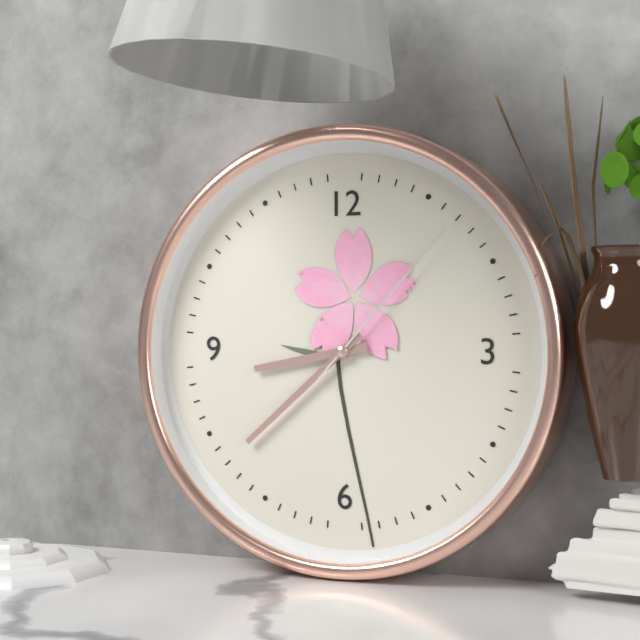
8:38:07
